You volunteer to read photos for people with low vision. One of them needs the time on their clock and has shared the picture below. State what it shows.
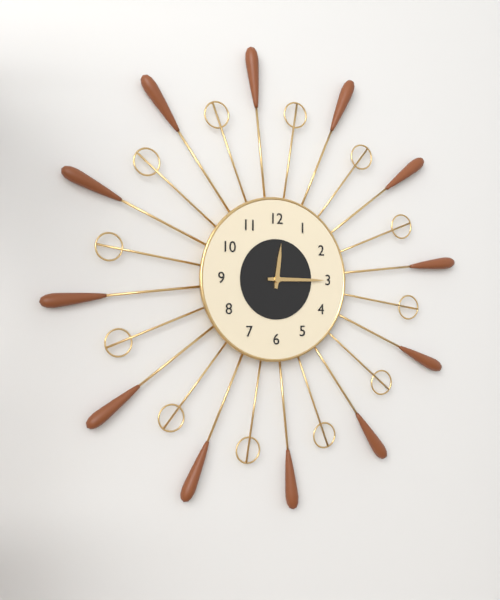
12:15
